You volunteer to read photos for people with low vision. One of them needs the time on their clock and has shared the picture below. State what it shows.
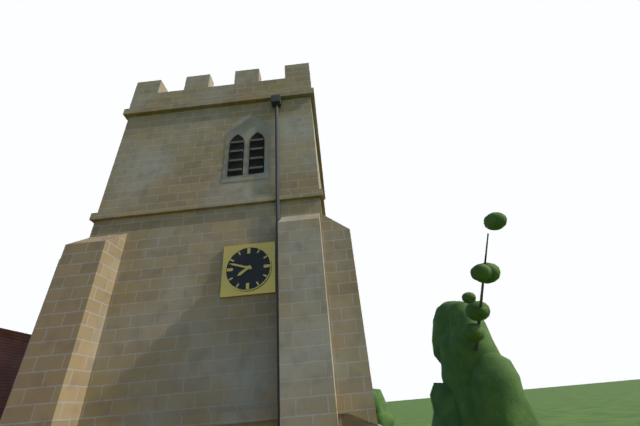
7:48
